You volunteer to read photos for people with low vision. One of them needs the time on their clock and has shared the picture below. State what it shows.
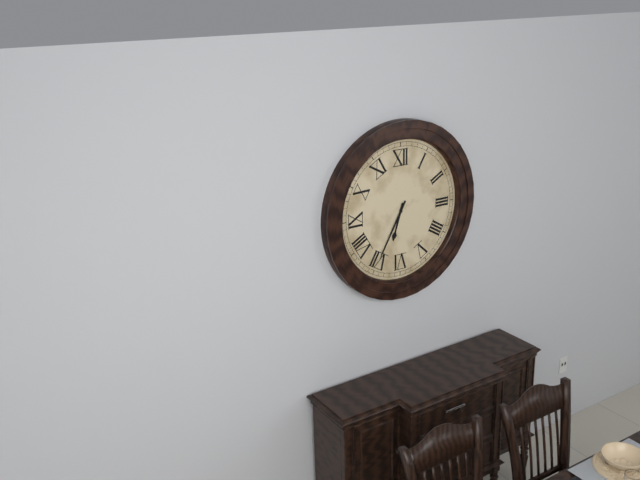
6:35
